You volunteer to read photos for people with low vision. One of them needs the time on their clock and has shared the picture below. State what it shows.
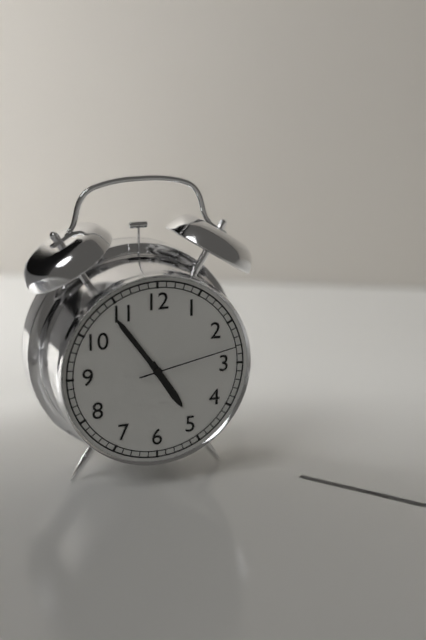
4:54:13
